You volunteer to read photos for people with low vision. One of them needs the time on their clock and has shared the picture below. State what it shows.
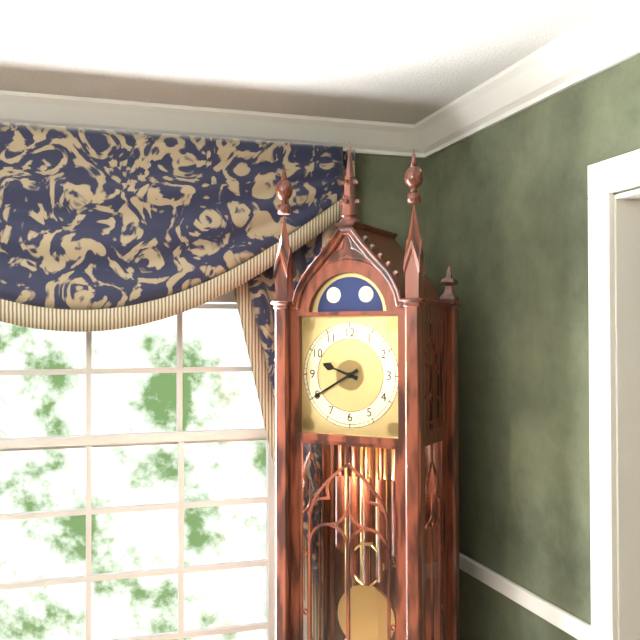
9:40
